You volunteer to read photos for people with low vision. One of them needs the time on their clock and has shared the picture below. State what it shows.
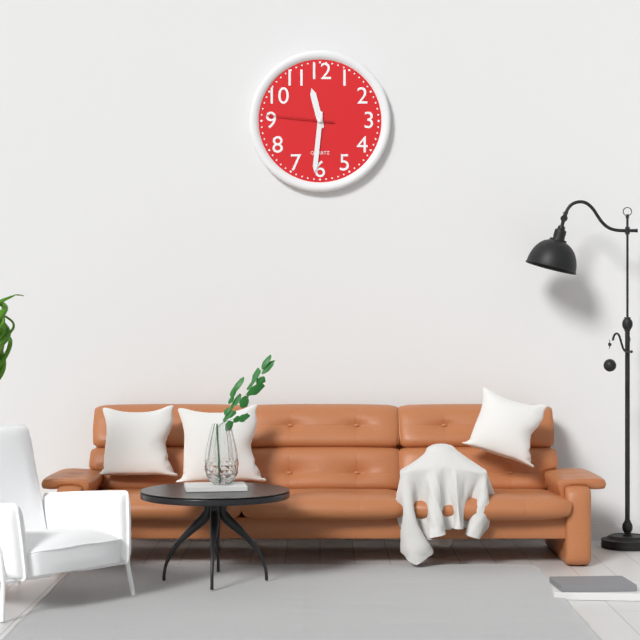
11:31:46
